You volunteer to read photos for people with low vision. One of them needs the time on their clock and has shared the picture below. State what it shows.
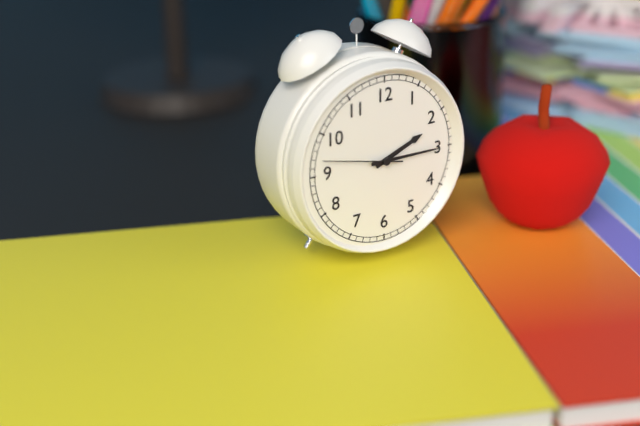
2:15:47
